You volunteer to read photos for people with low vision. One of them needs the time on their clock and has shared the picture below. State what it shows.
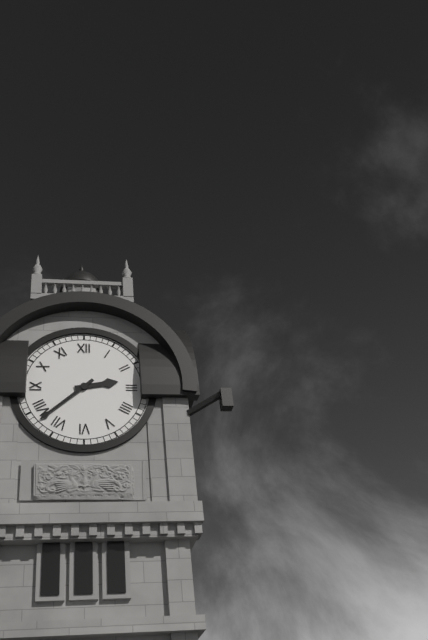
2:38
